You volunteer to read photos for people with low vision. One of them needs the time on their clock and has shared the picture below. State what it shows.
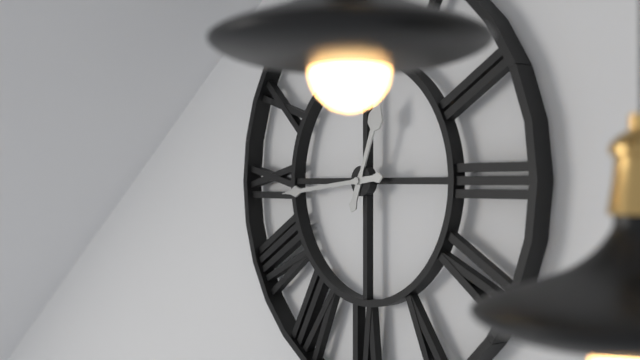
12:44
